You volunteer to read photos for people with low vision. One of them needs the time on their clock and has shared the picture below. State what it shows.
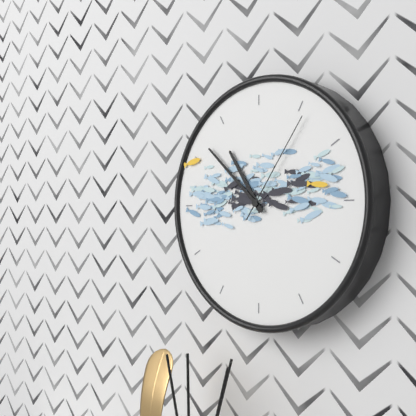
10:52:06
